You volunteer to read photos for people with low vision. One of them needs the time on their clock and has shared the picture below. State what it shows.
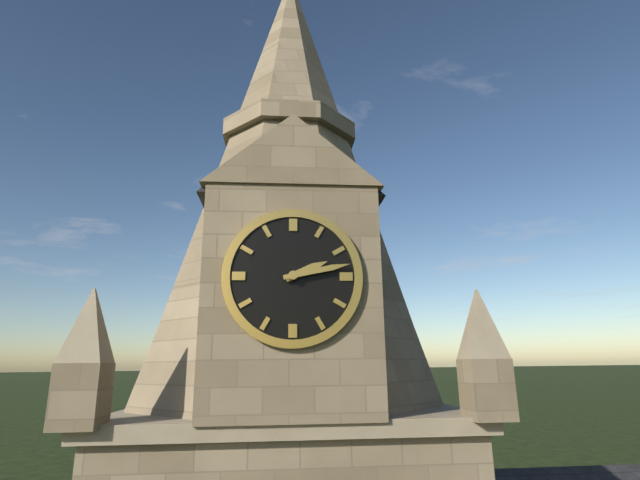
2:13
